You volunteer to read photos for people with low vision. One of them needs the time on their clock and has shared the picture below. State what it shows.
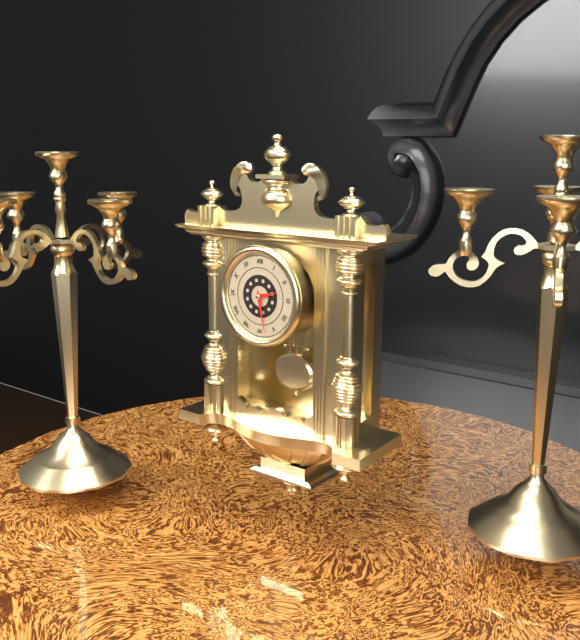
2:28
